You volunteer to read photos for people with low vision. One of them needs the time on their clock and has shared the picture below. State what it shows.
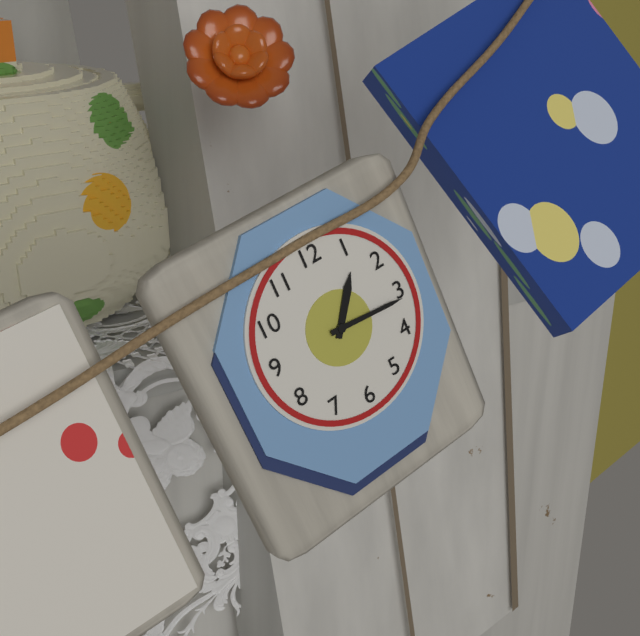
1:16
